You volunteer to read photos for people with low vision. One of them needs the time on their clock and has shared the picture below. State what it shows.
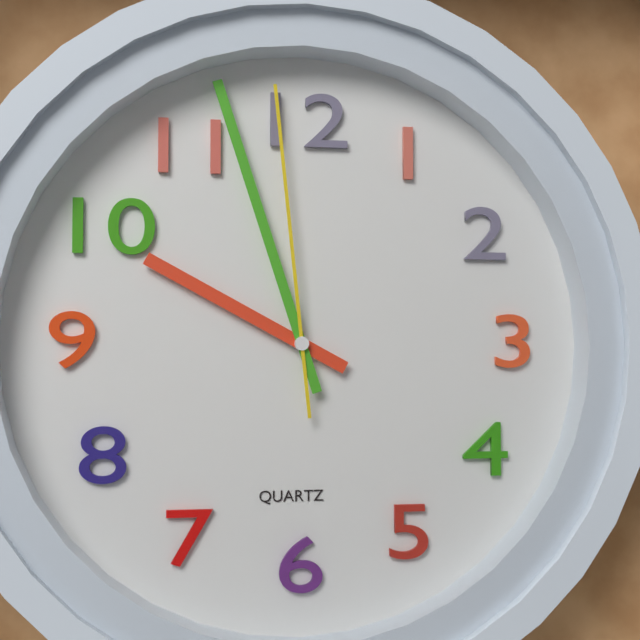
9:57:59
